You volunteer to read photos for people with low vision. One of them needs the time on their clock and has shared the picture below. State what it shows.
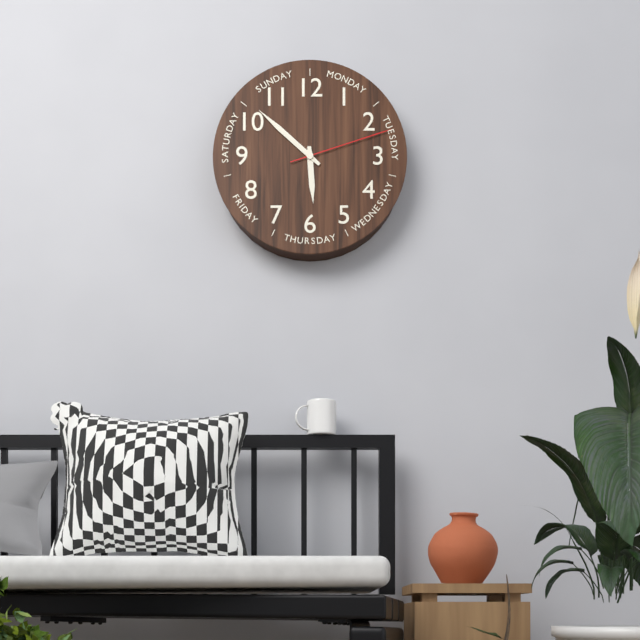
5:52:12
